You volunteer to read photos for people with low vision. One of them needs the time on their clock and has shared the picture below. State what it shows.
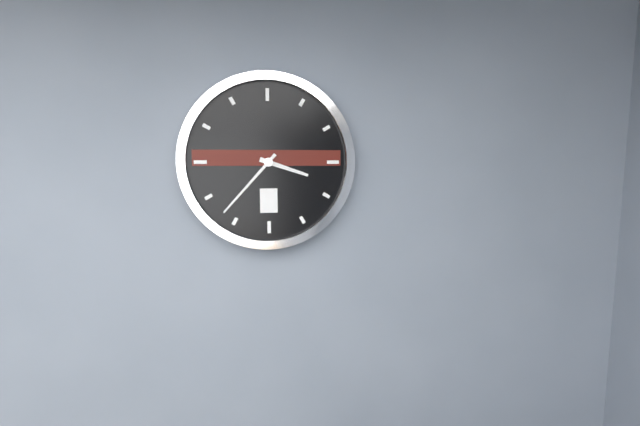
3:37
